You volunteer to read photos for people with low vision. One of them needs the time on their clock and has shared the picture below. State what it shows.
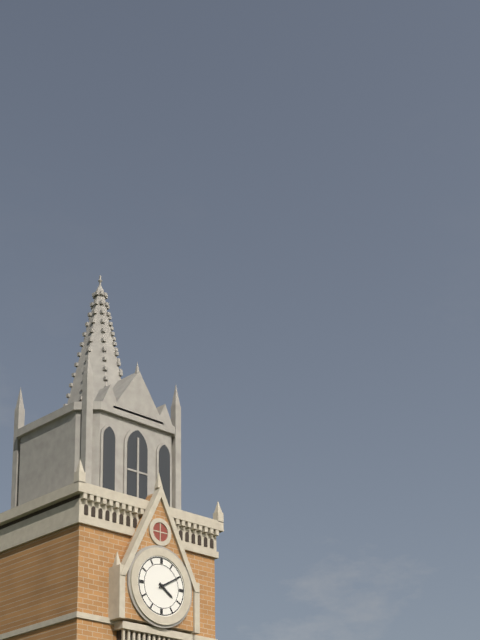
4:10
